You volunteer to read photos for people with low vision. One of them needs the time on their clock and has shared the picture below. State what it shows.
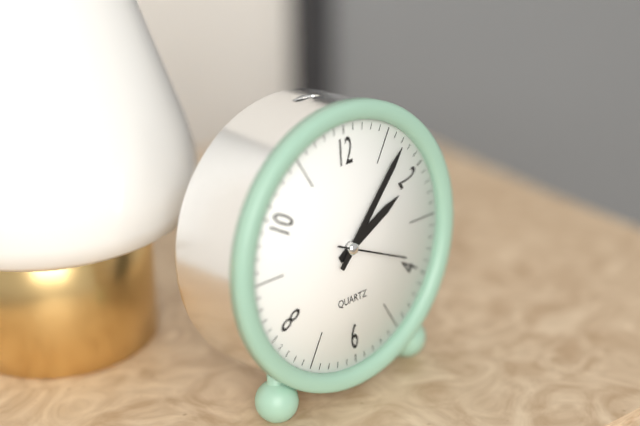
2:07:19
